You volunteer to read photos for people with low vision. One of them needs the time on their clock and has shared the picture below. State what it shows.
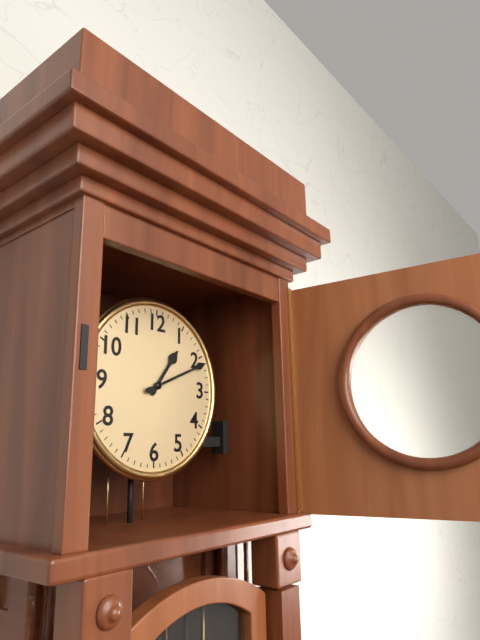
1:11
